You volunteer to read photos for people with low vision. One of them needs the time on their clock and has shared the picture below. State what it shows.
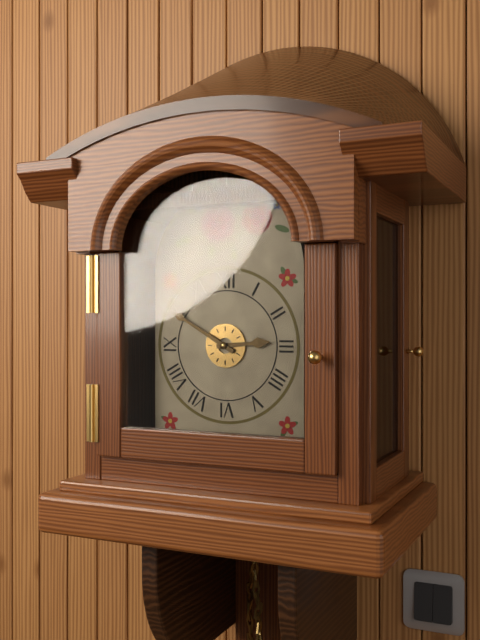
2:50
